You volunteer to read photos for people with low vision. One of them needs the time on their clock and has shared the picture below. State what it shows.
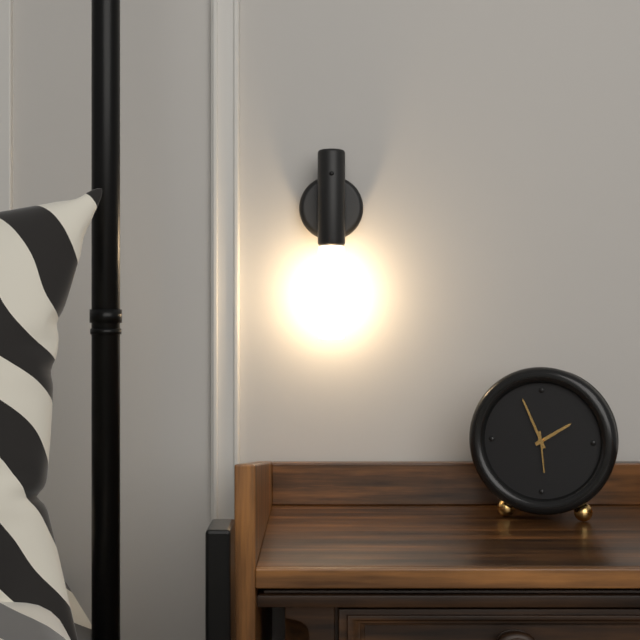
1:56
